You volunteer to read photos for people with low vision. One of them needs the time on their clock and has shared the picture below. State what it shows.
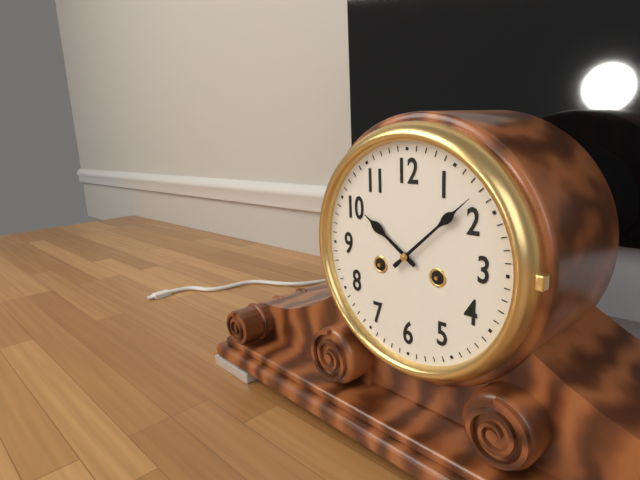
10:08
